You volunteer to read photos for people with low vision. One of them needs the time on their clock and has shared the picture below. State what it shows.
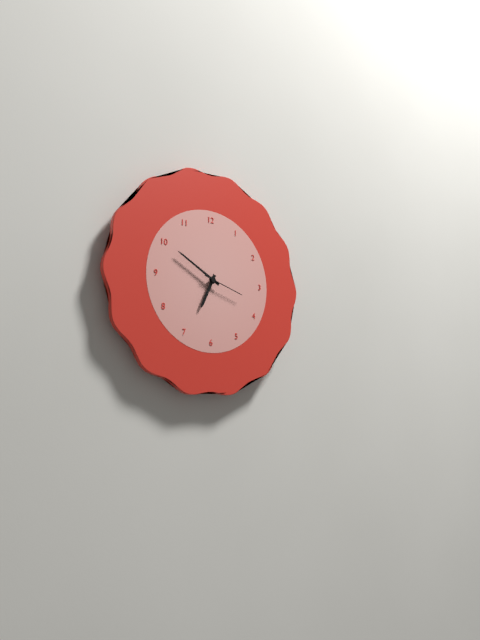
6:50
